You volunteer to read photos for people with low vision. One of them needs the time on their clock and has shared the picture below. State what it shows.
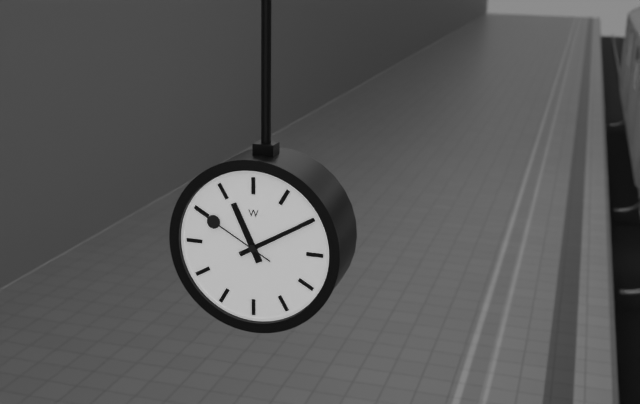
11:10:50
